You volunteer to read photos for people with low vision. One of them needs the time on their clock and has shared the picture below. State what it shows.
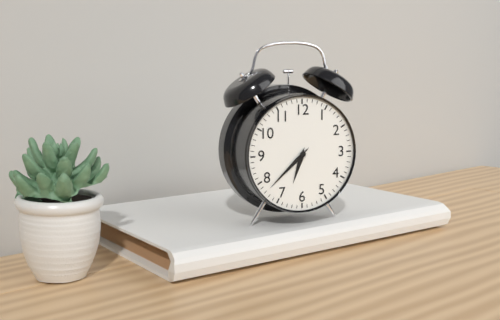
6:38
